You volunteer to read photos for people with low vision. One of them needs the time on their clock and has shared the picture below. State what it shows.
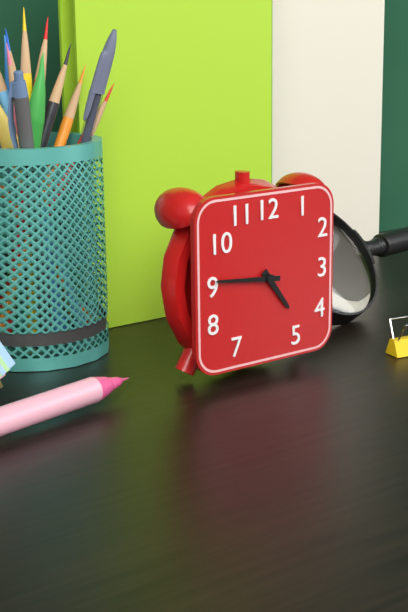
4:46
